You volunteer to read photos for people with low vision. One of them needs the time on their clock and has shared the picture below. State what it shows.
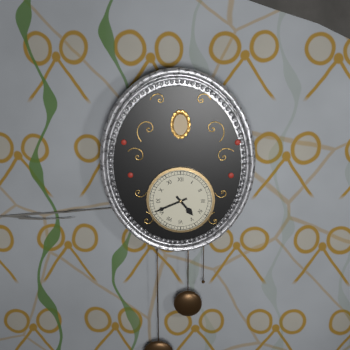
4:41
